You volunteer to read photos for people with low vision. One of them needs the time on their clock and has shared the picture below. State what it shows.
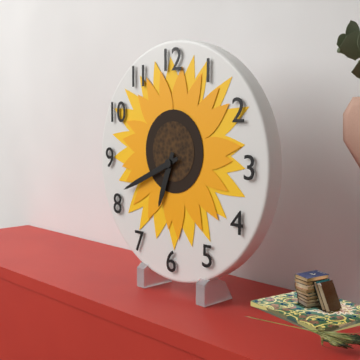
6:41
